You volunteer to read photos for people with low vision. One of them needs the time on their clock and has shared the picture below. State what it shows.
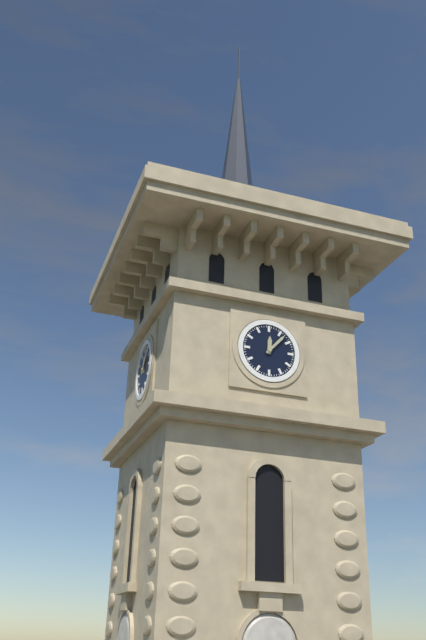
12:07
